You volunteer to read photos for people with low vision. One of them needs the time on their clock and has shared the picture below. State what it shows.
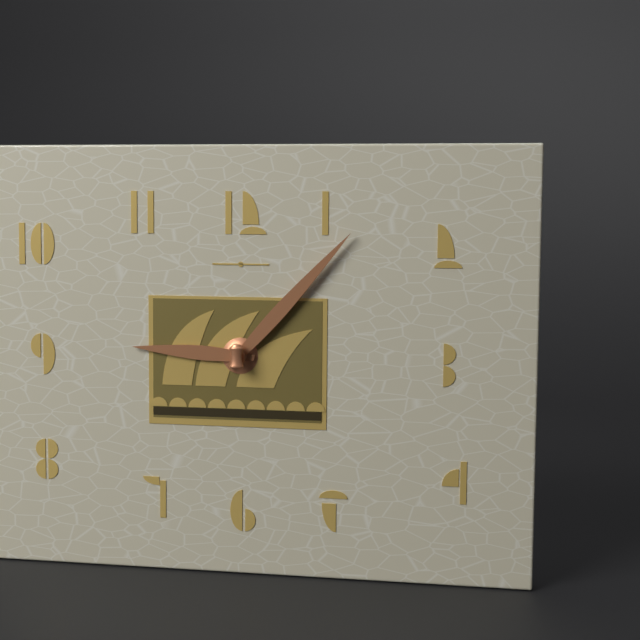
9:07
